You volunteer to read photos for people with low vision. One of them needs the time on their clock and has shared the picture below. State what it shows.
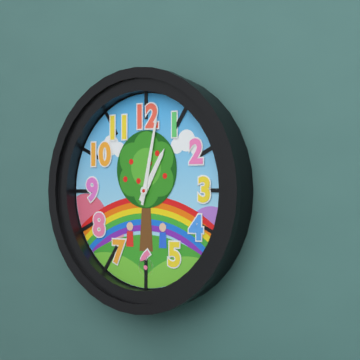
1:02
